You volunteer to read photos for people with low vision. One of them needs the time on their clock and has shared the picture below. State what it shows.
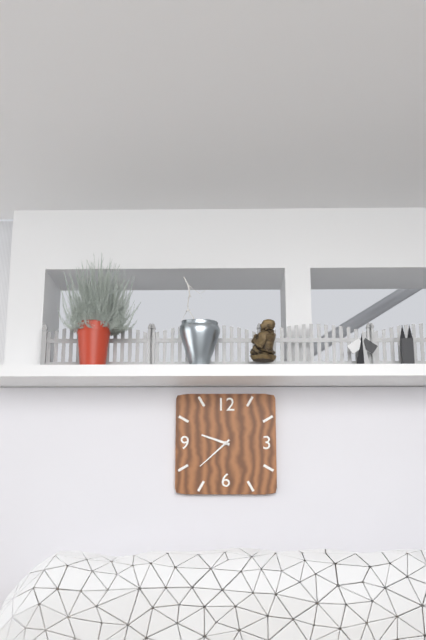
9:38
